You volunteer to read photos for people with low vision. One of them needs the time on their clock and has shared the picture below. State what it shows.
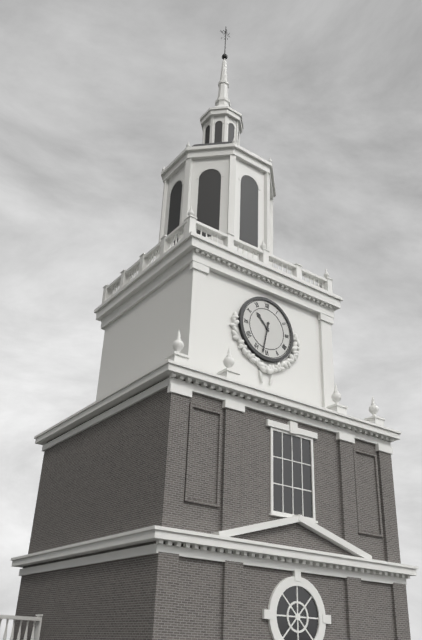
10:32
